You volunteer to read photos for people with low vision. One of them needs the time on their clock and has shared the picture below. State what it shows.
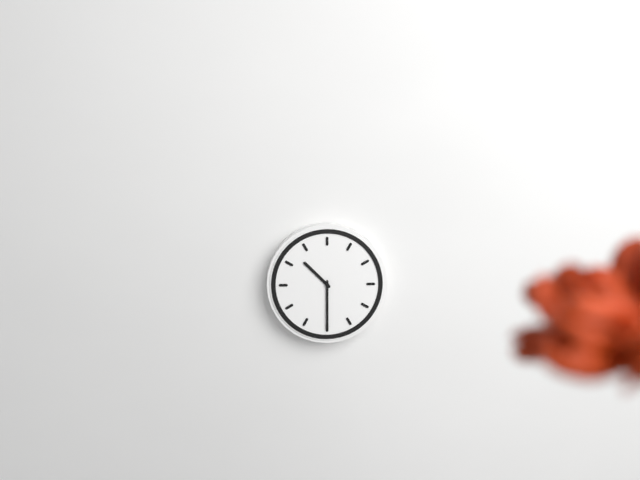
10:30
